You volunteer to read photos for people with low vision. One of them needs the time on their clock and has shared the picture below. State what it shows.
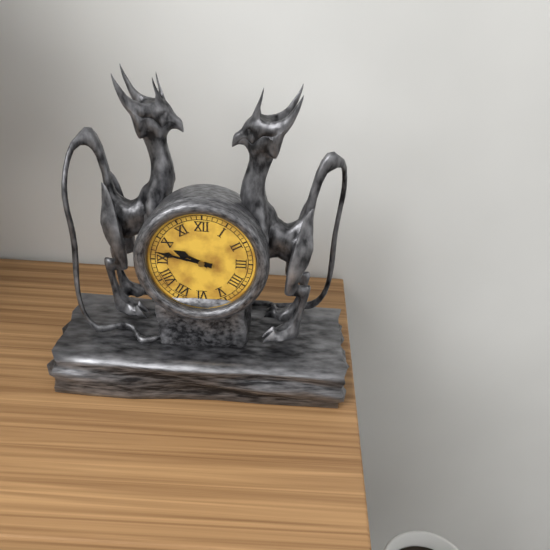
9:47
